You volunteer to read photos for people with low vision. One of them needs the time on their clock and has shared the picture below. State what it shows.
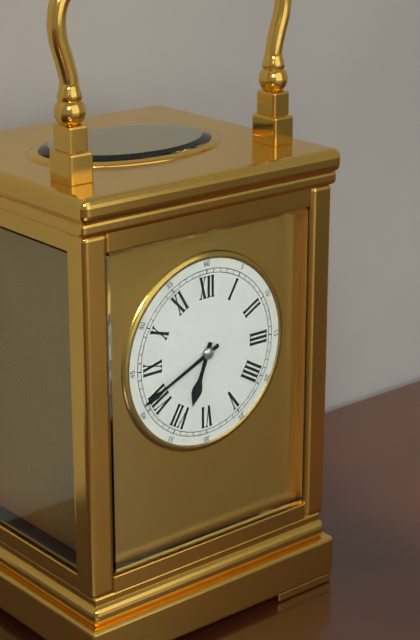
6:41
